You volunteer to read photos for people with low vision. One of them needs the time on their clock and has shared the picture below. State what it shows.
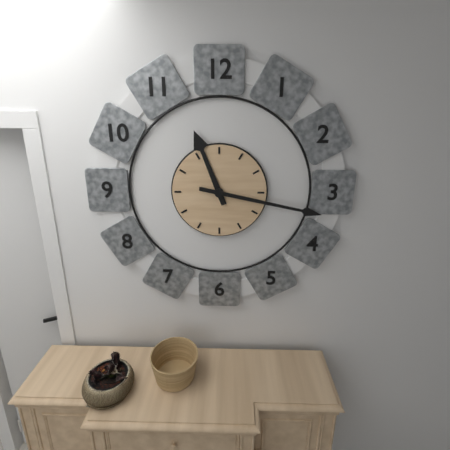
11:17
